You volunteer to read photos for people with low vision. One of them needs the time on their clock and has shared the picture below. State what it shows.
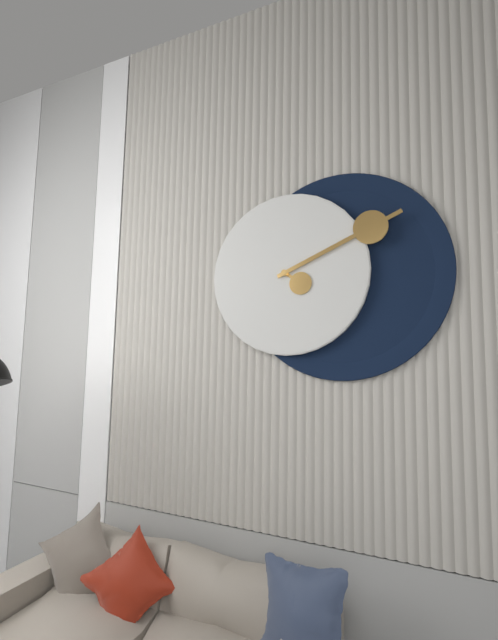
4:11
